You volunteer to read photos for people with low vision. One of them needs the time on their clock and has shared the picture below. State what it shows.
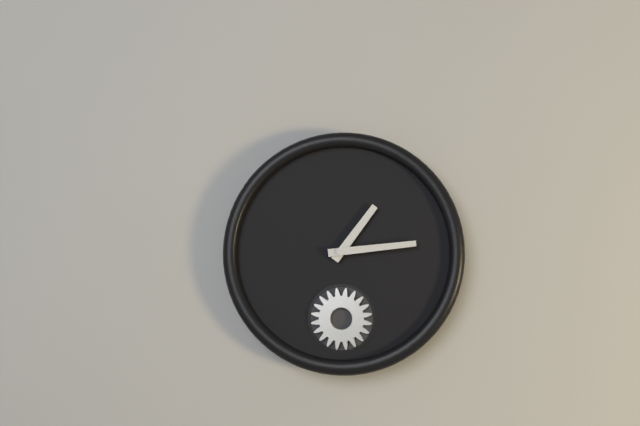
1:14
